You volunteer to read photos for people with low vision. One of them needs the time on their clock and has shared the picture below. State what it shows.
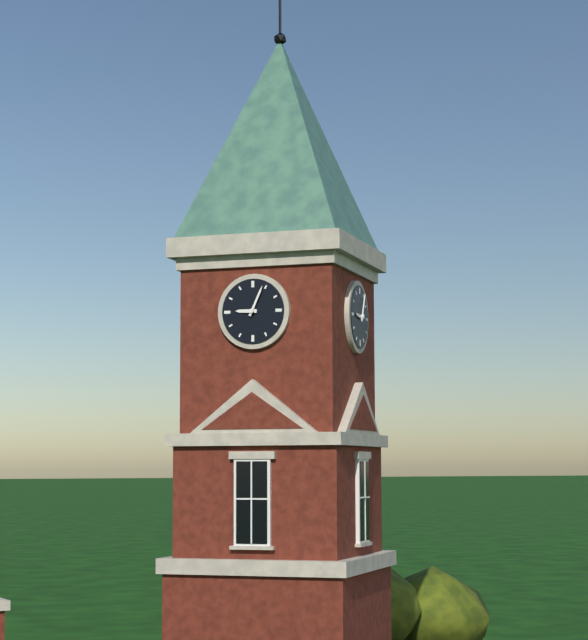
9:04
